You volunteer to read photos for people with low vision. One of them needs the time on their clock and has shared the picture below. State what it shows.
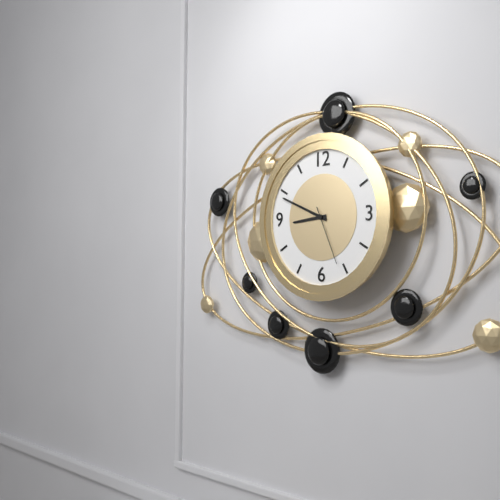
8:49:26
